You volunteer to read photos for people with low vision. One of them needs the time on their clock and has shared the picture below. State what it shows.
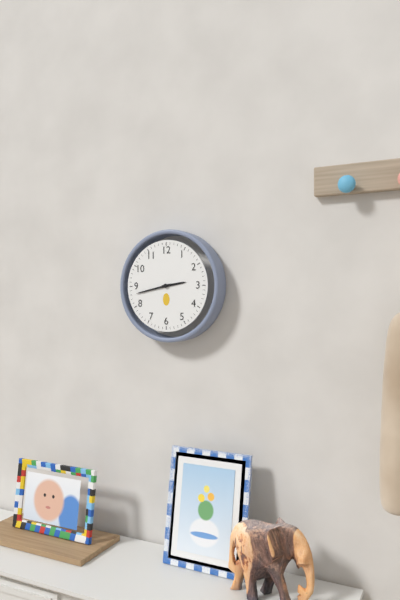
2:43
